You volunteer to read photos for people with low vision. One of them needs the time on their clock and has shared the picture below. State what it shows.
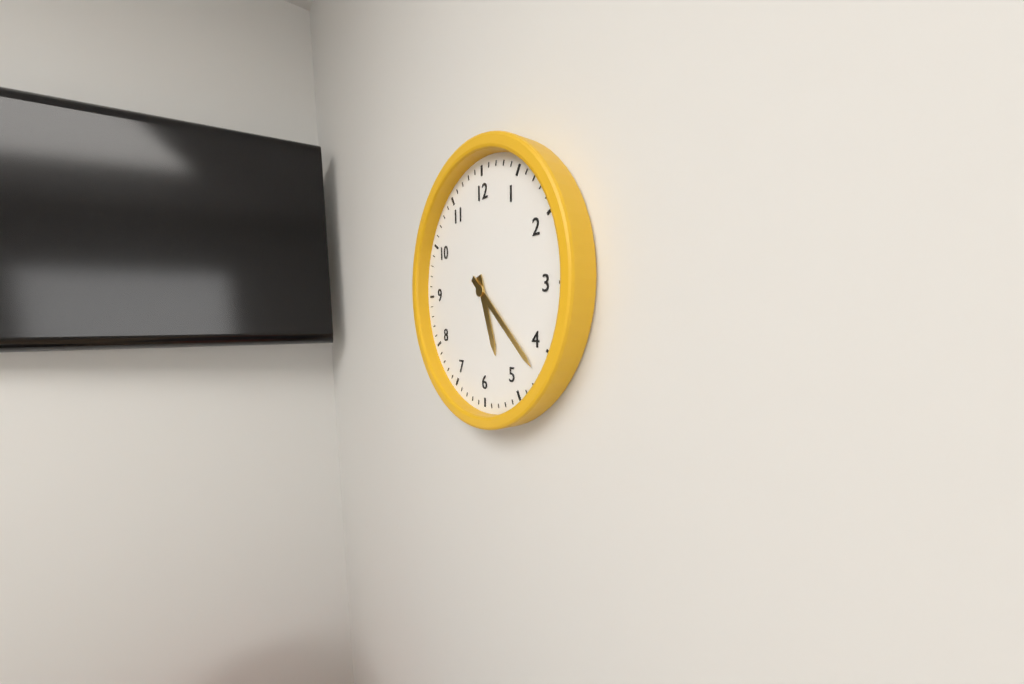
5:22
